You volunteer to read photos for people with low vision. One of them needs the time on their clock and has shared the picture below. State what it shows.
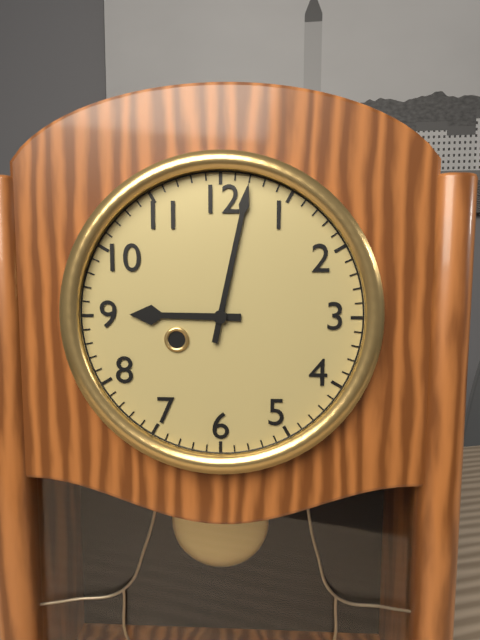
9:02
